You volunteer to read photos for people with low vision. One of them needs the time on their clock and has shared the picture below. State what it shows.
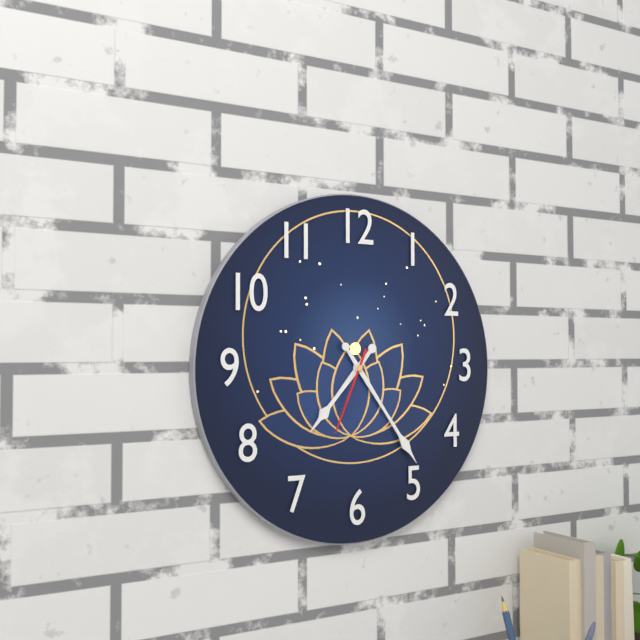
7:24:34
